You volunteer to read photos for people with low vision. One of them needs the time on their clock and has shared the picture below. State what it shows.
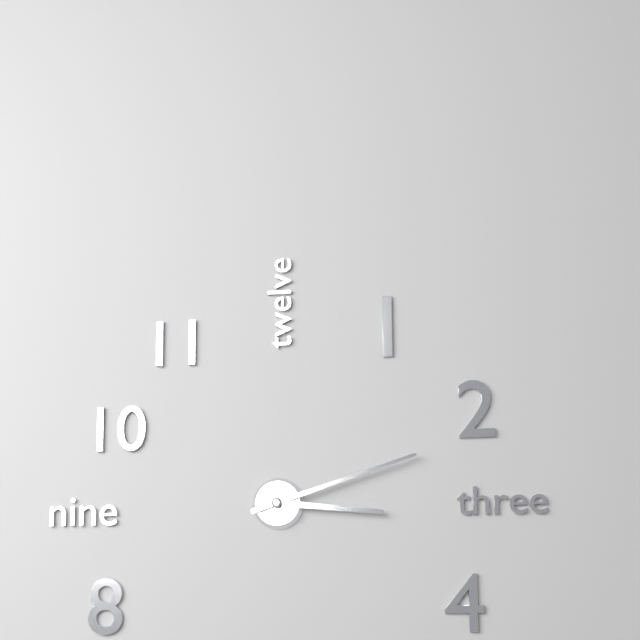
3:12
